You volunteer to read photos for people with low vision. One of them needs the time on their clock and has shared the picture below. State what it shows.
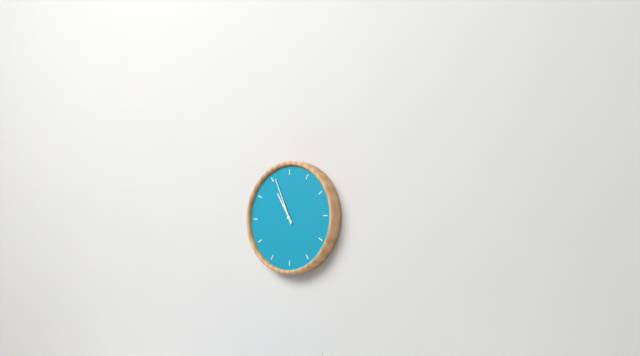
10:56
